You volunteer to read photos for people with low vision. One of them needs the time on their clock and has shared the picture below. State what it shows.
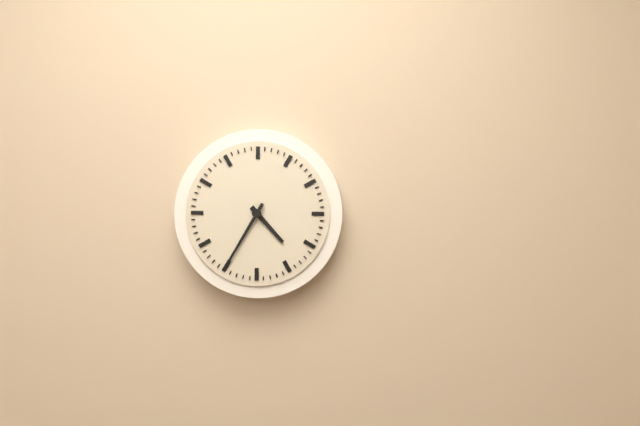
4:35
